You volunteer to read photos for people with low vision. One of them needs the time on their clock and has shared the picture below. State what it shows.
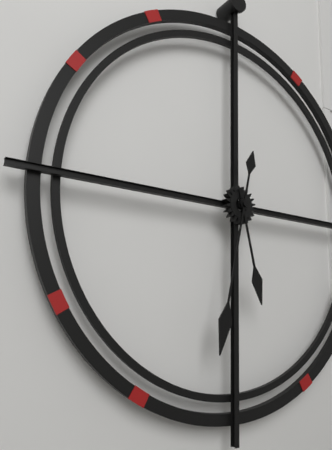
5:32
